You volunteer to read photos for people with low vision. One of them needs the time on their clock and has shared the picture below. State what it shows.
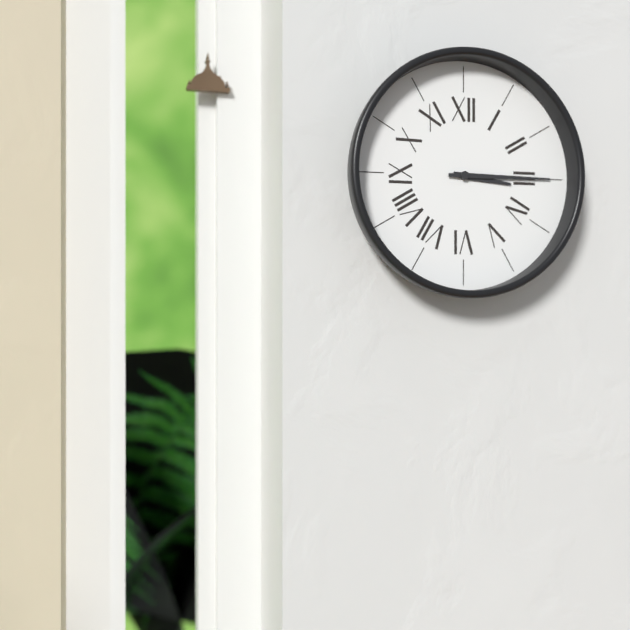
3:15
